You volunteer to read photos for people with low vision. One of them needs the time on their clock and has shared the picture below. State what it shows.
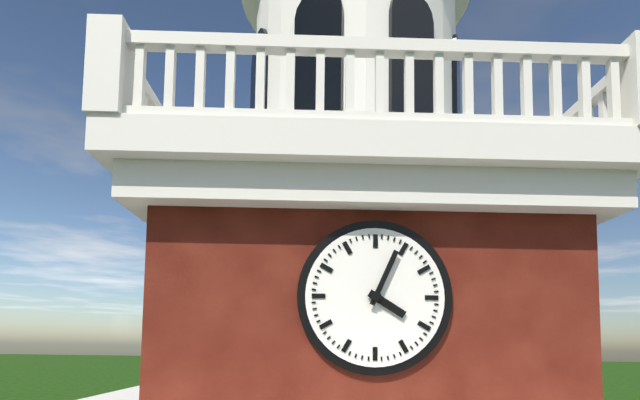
4:04
